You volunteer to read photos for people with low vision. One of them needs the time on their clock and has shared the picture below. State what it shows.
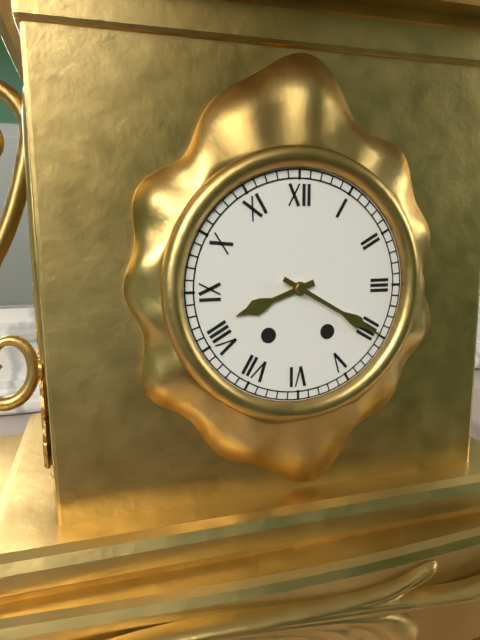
8:20
